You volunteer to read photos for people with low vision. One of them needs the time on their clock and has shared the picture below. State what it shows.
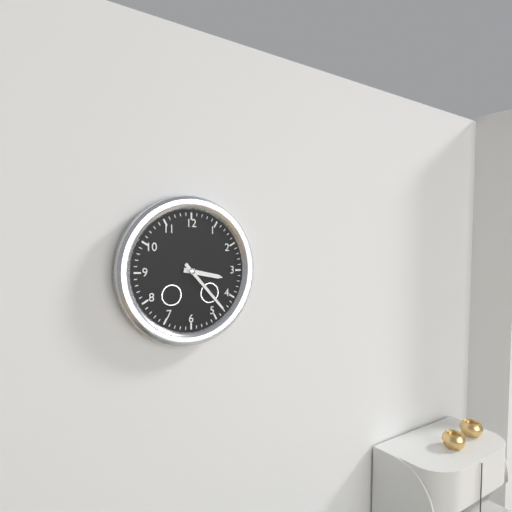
3:23
